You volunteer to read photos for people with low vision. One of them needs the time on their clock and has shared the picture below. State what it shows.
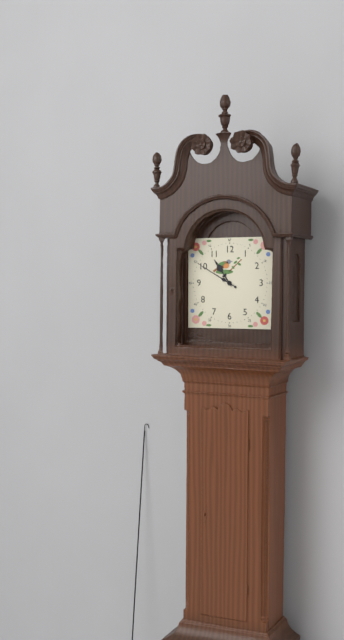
10:50
